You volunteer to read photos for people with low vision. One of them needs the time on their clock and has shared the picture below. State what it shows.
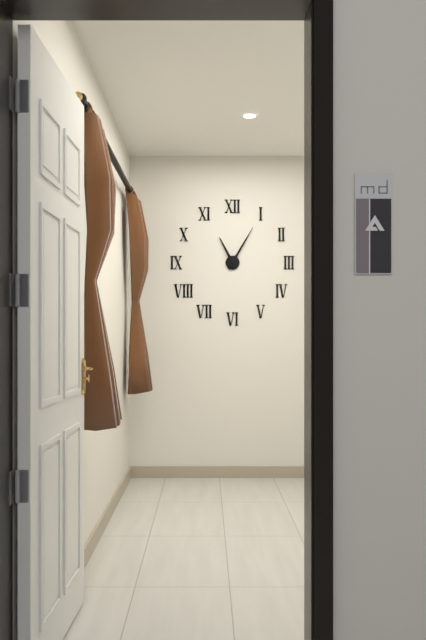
11:05
